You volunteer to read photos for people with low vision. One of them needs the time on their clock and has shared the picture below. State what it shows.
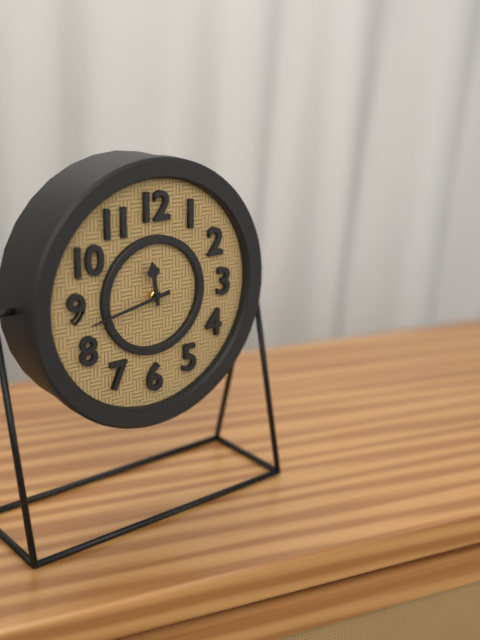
11:43
